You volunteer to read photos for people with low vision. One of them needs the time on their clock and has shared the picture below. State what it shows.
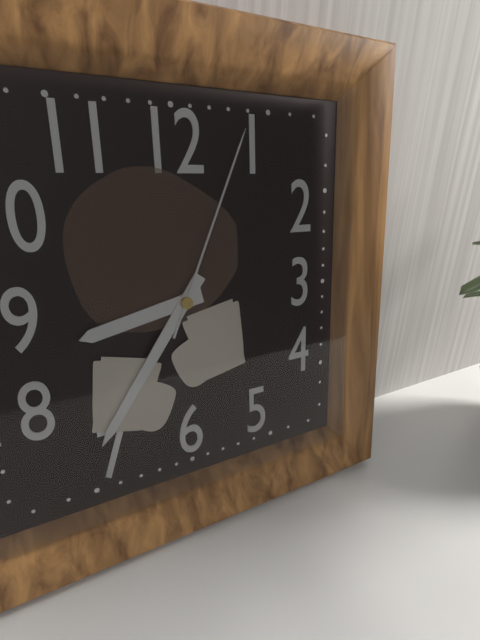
8:36:04
